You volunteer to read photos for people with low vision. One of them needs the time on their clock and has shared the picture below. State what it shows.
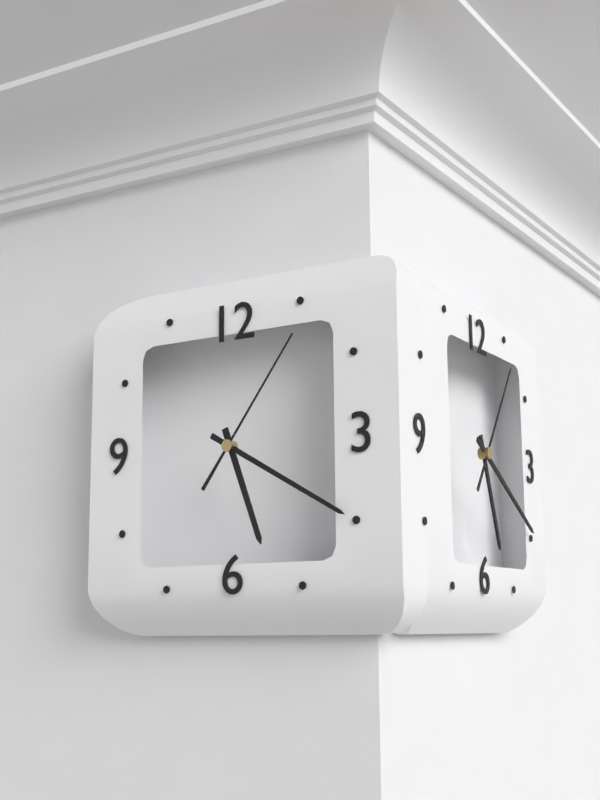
5:20:06
